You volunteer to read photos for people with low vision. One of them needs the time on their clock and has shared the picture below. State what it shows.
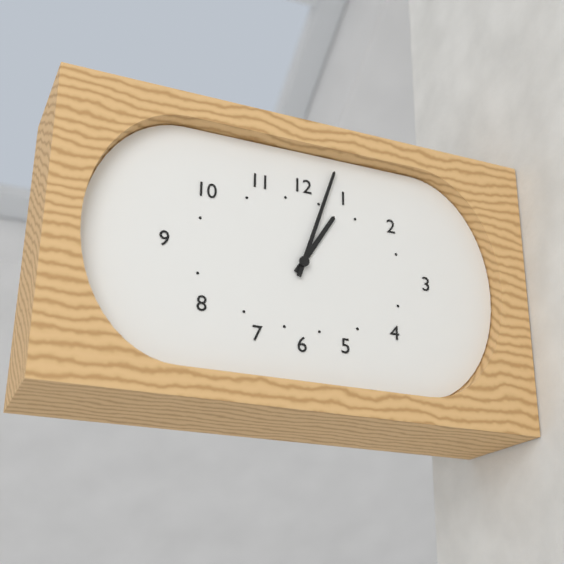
1:03
